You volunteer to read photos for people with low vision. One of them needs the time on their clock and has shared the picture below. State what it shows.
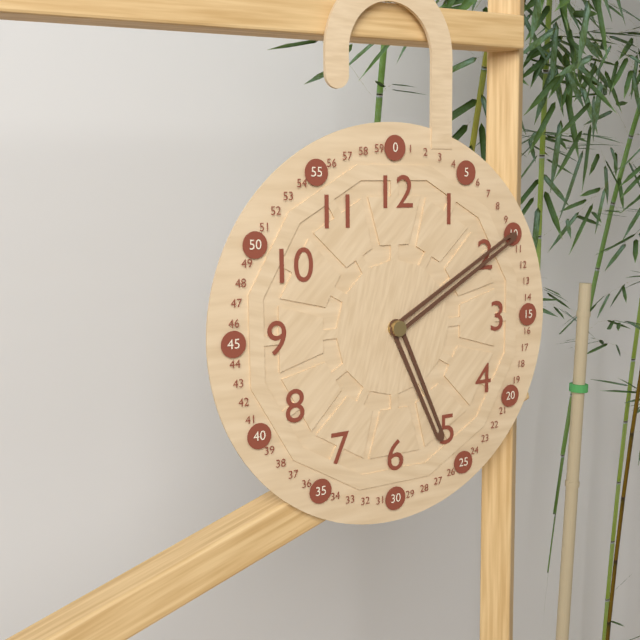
5:10
